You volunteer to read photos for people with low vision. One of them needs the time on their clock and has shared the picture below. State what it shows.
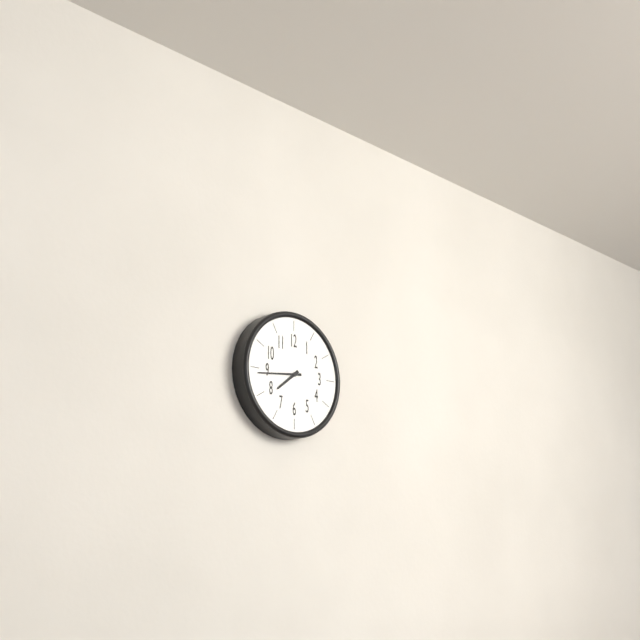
7:44
